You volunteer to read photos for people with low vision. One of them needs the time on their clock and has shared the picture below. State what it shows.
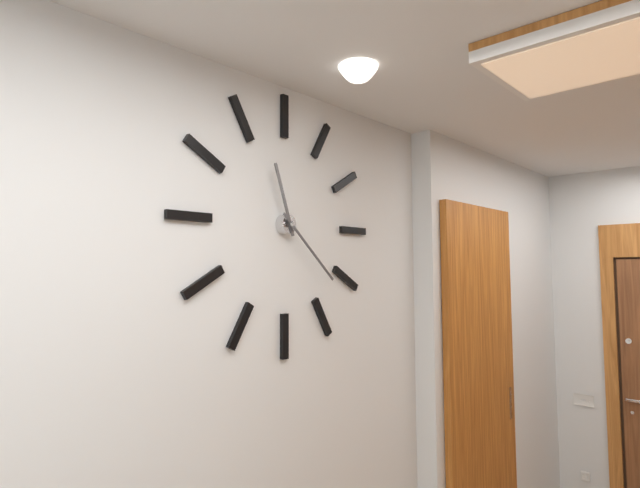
11:22
